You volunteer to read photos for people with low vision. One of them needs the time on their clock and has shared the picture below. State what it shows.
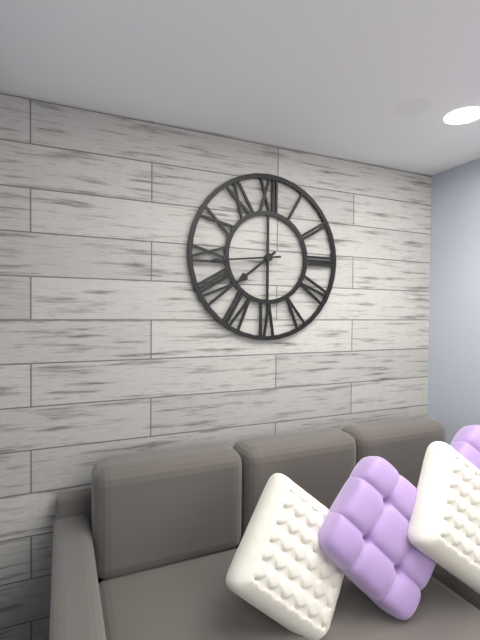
7:44
